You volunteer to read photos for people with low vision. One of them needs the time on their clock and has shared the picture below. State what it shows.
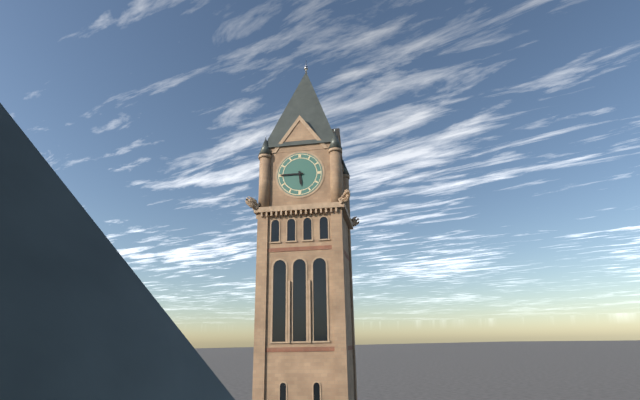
5:45
